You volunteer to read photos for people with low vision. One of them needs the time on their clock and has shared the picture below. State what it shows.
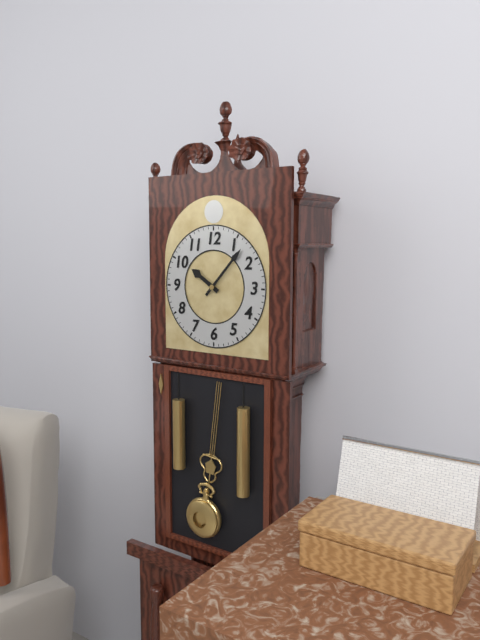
10:07
